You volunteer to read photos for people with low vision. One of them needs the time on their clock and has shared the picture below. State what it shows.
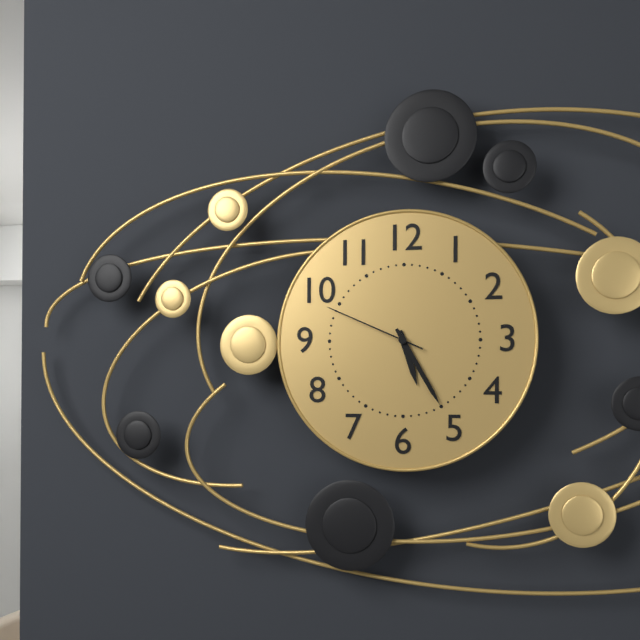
5:25:49
